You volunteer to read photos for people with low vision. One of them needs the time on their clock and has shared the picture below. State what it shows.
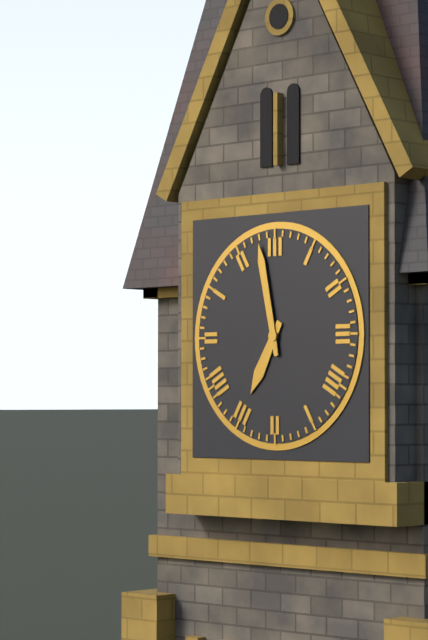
6:58
